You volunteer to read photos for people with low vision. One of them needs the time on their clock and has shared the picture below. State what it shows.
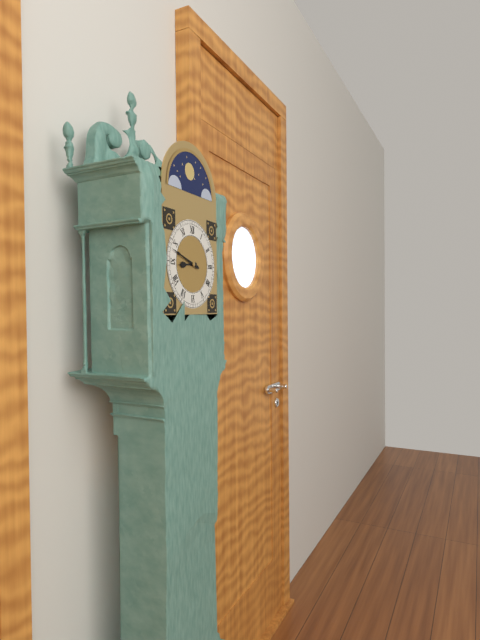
8:48
